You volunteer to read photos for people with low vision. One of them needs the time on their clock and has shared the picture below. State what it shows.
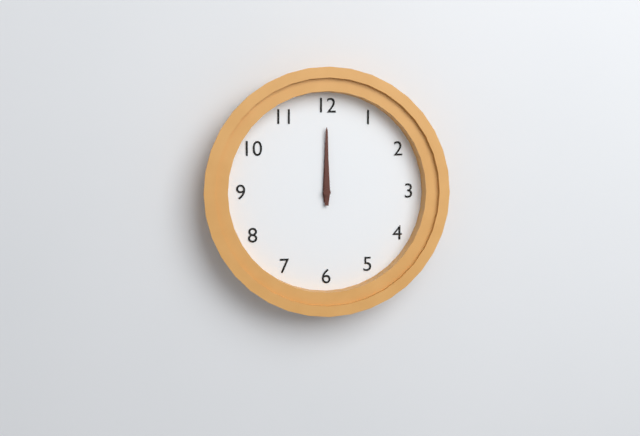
12:00
